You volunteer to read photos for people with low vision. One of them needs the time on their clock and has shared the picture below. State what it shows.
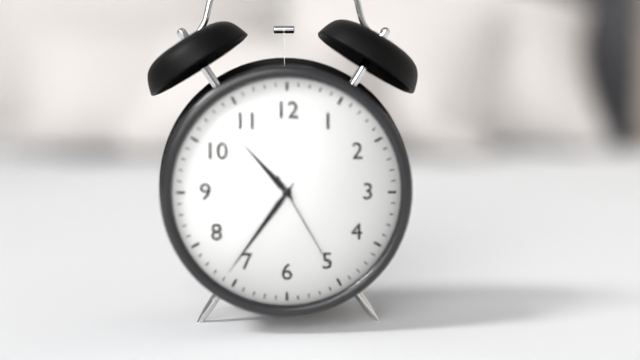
10:36:25
